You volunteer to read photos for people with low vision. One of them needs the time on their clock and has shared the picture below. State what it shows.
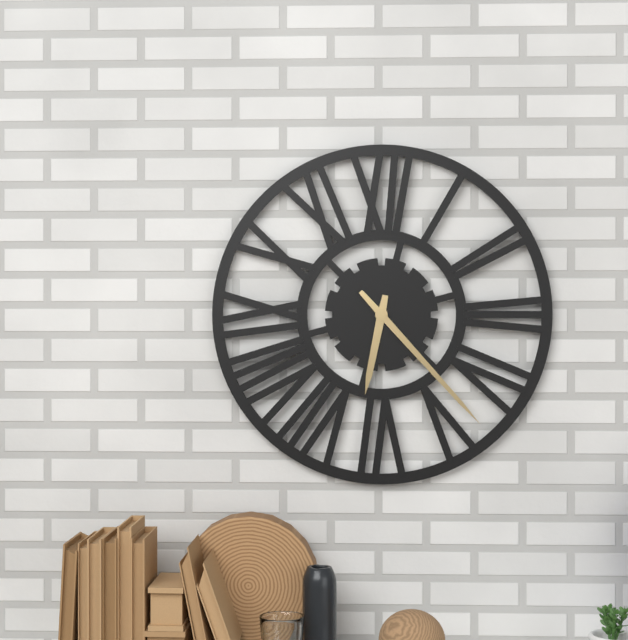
6:23
